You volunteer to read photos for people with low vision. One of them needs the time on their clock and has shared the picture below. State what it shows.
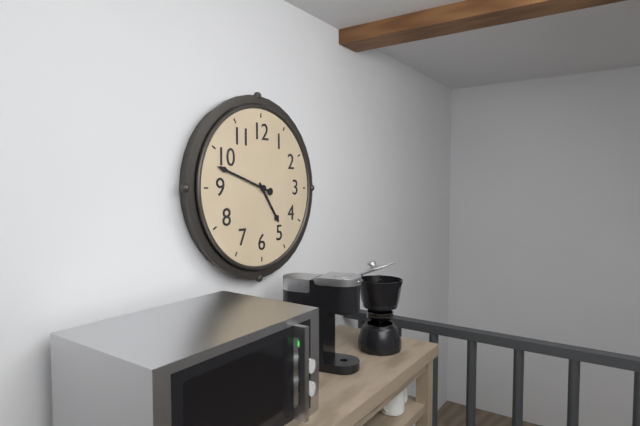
4:48
